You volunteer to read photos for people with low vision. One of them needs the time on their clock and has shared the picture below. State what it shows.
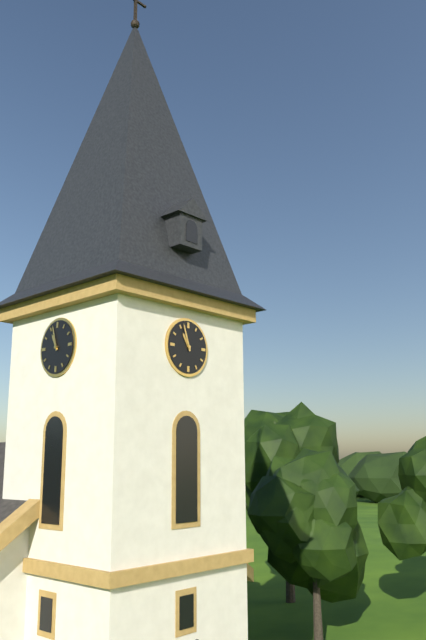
10:57
